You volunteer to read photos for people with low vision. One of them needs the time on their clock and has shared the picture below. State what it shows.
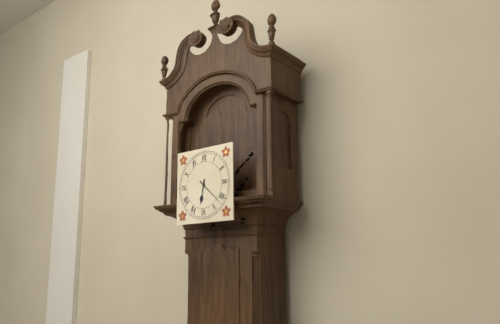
6:22
